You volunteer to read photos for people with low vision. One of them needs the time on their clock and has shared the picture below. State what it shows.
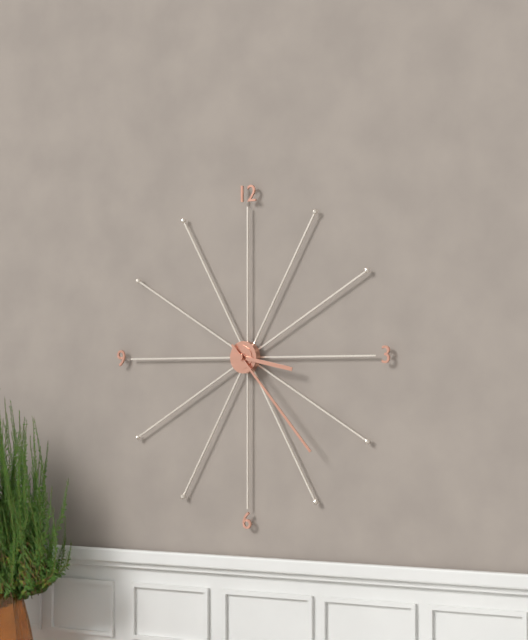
3:23
